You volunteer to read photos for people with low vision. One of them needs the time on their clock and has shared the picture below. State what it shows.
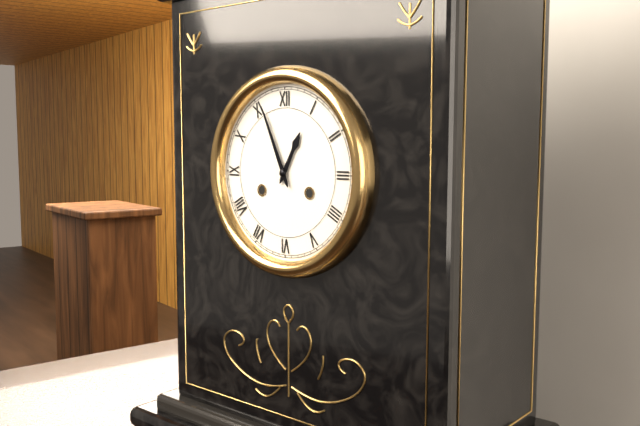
12:56
